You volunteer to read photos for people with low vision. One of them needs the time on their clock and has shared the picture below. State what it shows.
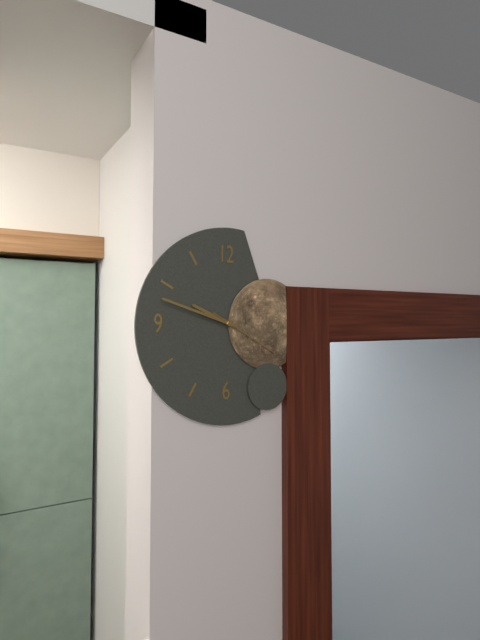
9:48:20
